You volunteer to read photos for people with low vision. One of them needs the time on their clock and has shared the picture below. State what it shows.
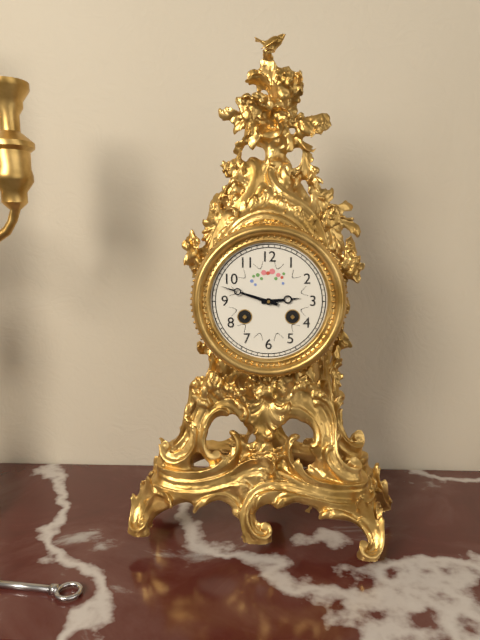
2:48
